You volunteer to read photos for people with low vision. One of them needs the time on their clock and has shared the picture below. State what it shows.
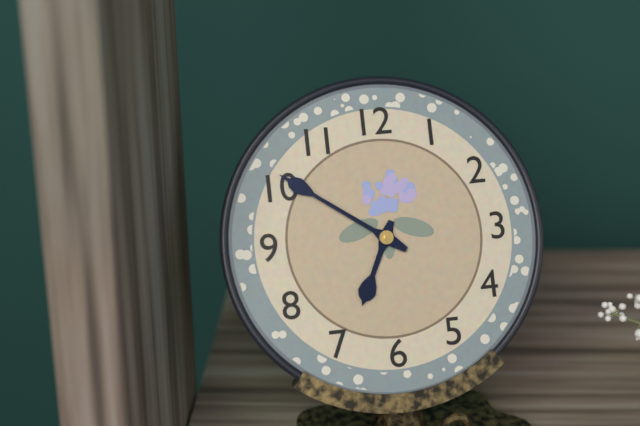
6:51
